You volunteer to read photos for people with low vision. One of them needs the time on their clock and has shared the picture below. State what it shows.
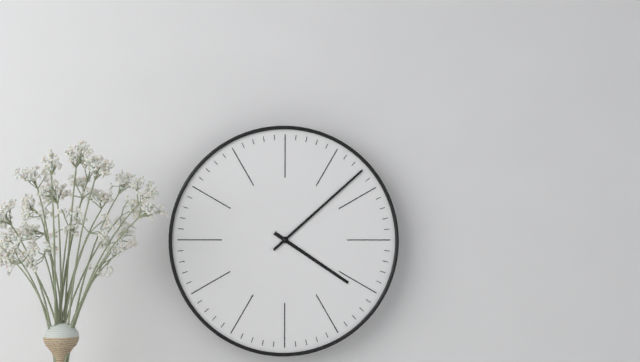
4:08
